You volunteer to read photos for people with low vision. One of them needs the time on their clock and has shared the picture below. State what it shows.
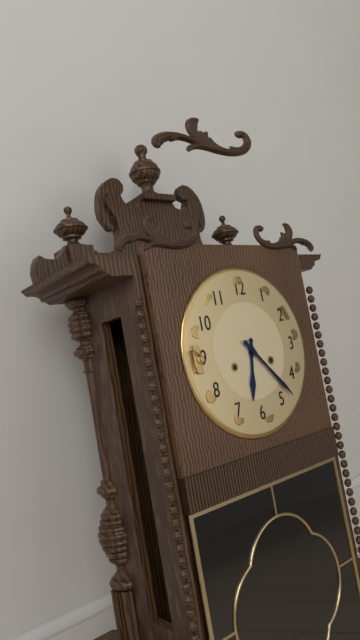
6:23
